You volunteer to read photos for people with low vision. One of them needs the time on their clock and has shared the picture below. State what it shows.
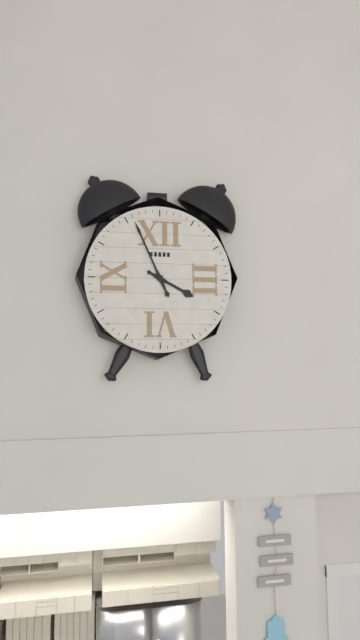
3:56
